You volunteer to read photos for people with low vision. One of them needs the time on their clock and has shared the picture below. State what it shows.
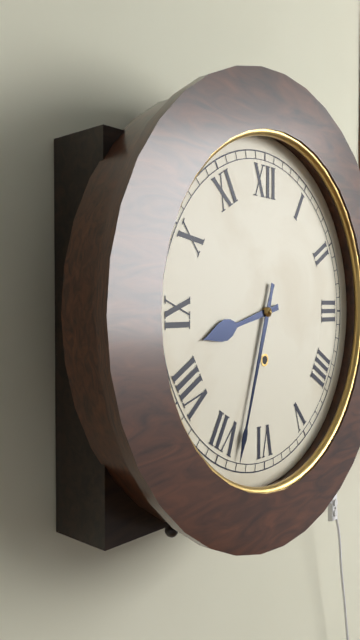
8:33
